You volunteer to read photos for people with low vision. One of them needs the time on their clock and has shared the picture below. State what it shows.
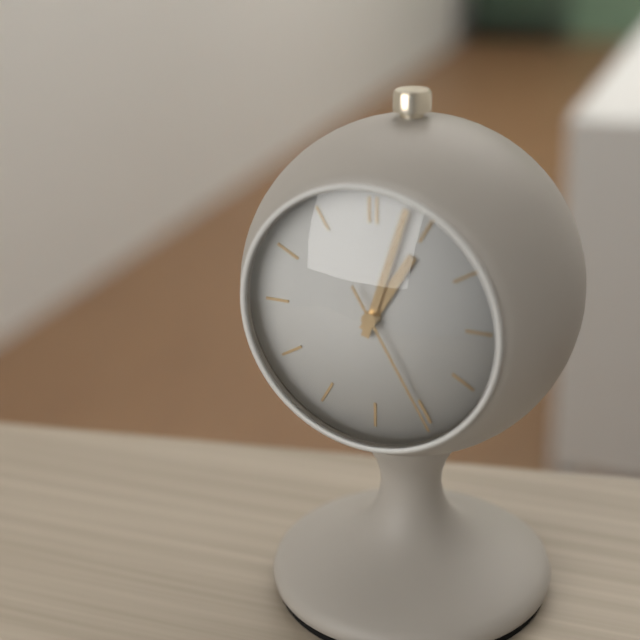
1:03:25
